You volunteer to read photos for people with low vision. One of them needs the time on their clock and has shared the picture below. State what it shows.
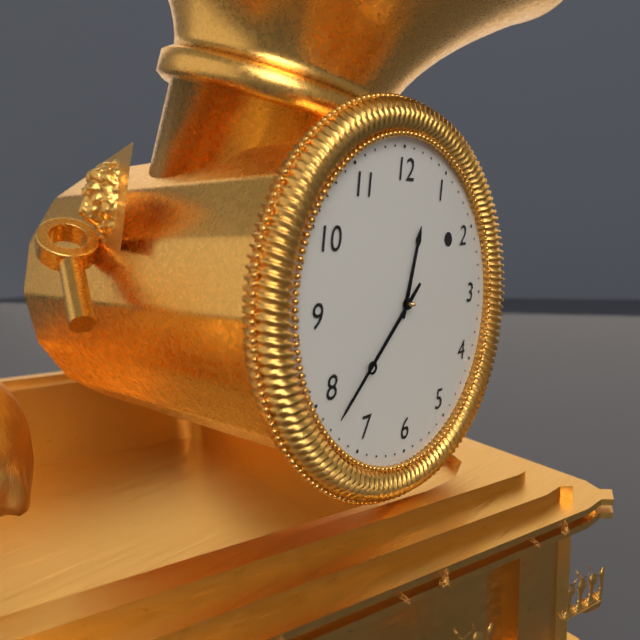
12:38
